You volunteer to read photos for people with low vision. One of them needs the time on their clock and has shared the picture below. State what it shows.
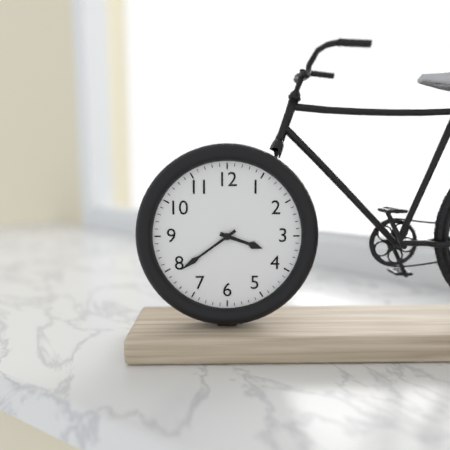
3:39
